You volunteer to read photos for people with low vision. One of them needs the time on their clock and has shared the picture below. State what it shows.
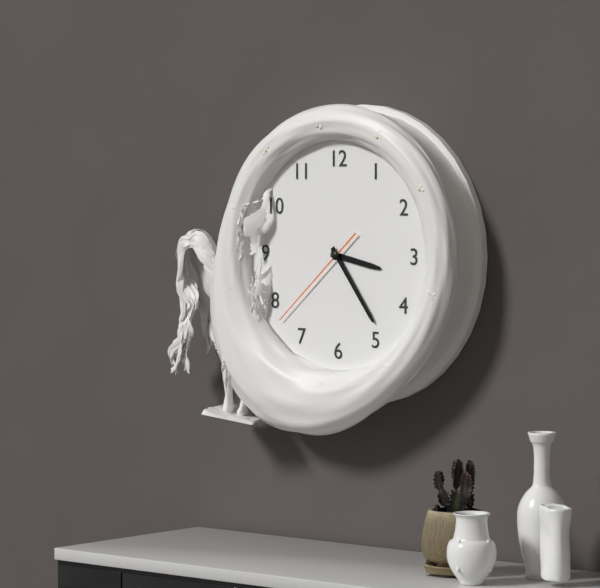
3:24:38
